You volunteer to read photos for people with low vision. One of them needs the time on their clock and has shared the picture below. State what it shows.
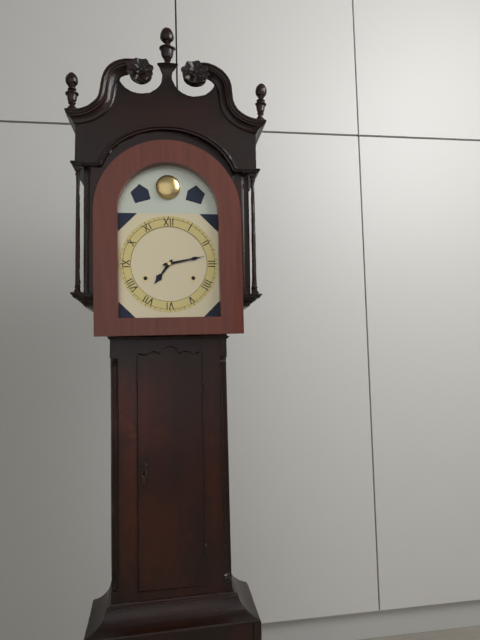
7:13
